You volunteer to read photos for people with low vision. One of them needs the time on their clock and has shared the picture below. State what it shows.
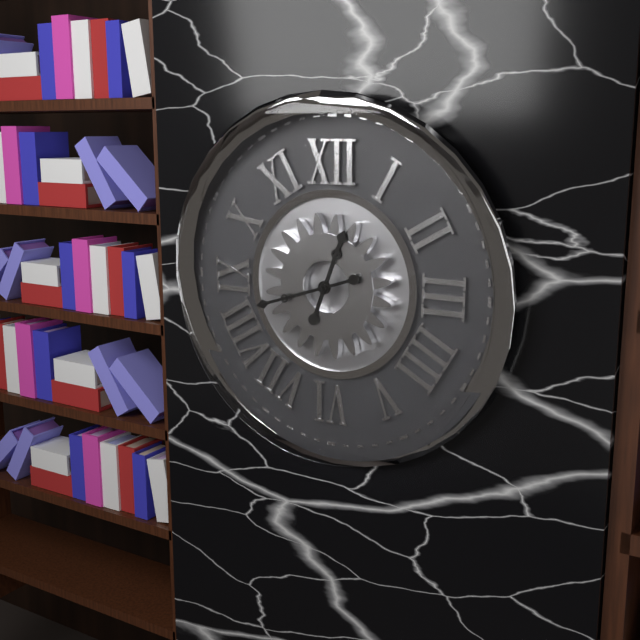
12:42
